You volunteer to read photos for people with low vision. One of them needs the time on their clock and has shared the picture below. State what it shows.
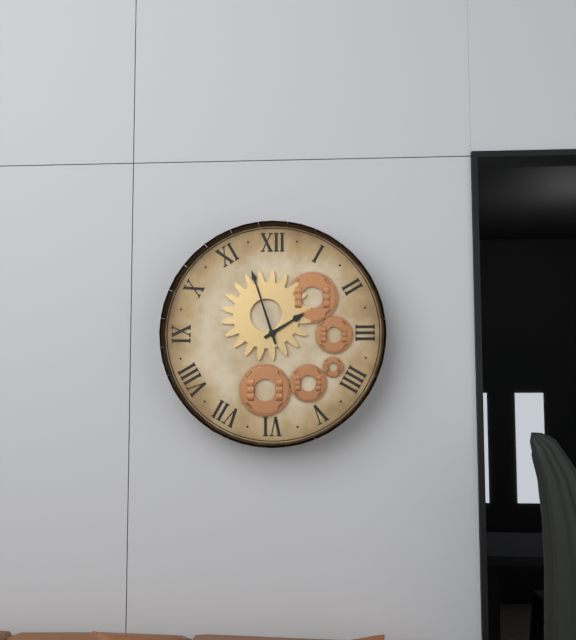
1:57
